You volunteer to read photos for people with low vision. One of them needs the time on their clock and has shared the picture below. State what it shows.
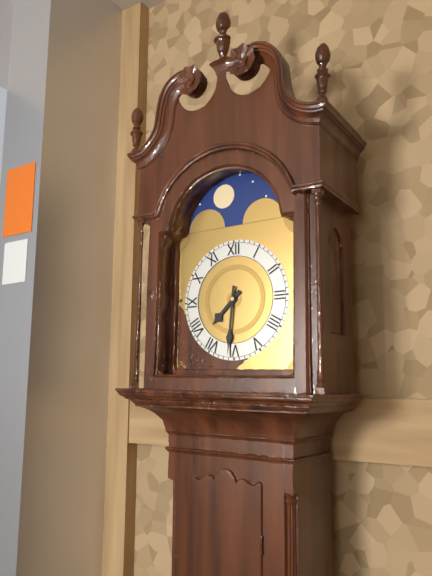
7:31
